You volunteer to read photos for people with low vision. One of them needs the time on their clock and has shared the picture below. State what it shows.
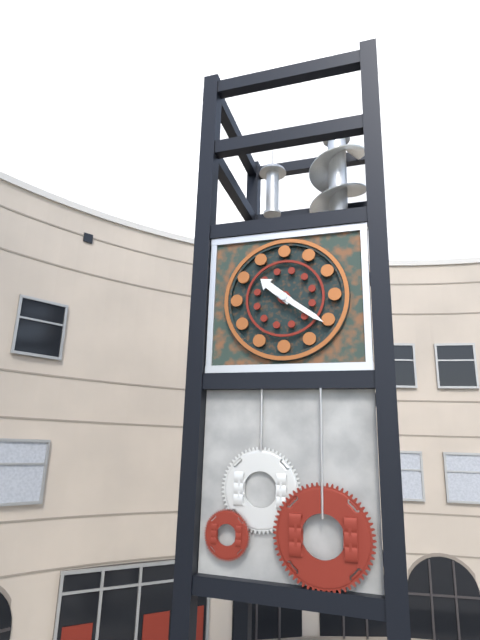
10:21
